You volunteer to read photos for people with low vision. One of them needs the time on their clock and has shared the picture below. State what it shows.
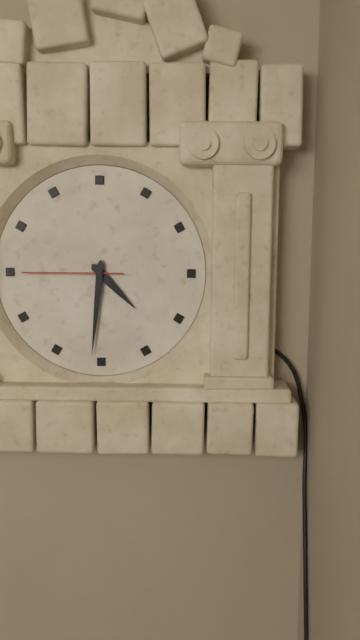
4:31:45
